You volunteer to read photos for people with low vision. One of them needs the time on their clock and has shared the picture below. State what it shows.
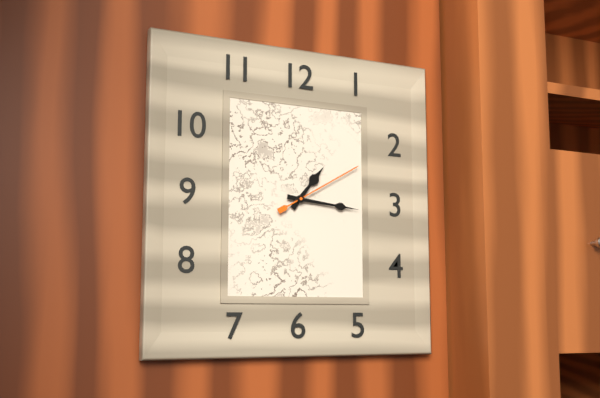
1:16:10
